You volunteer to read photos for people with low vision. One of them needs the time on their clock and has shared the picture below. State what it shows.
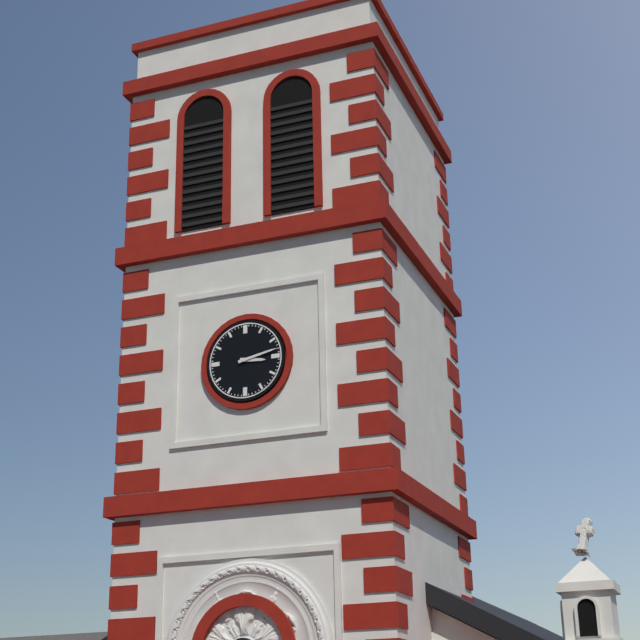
3:13
